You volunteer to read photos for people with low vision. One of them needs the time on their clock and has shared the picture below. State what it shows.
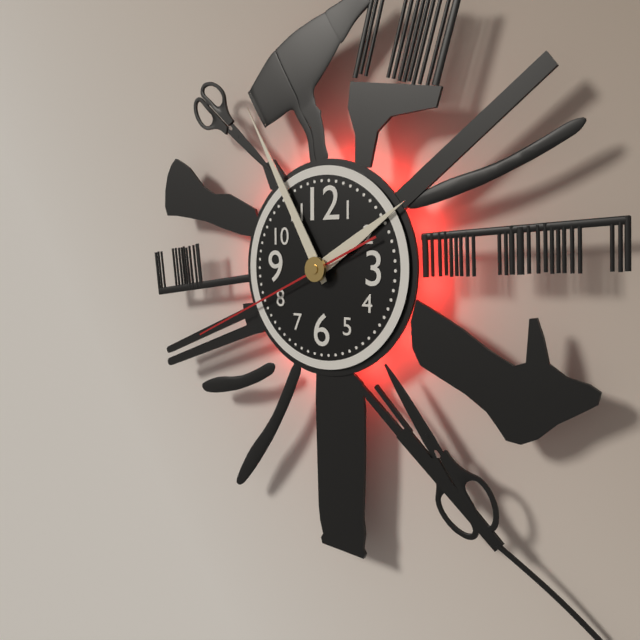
1:55:41
